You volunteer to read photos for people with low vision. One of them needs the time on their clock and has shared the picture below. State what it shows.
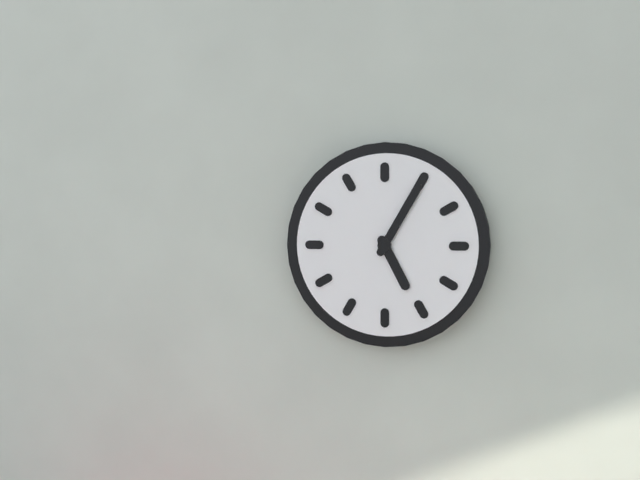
5:05
